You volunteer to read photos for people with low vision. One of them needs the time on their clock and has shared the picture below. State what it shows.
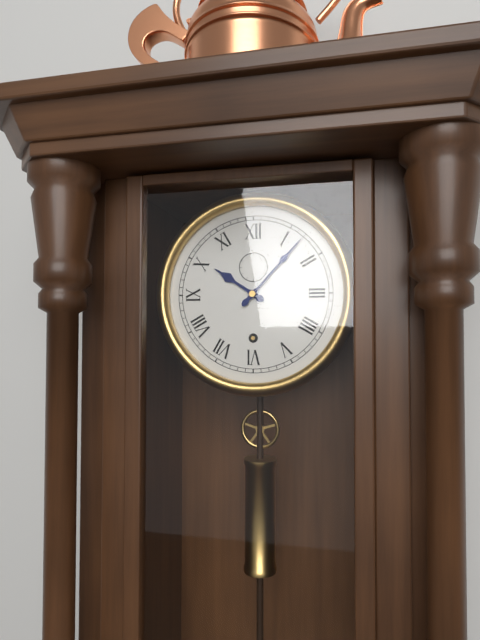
10:07
